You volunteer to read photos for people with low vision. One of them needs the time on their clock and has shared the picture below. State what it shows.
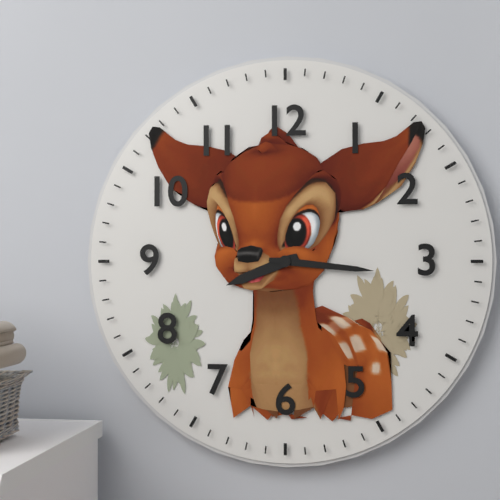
8:16
